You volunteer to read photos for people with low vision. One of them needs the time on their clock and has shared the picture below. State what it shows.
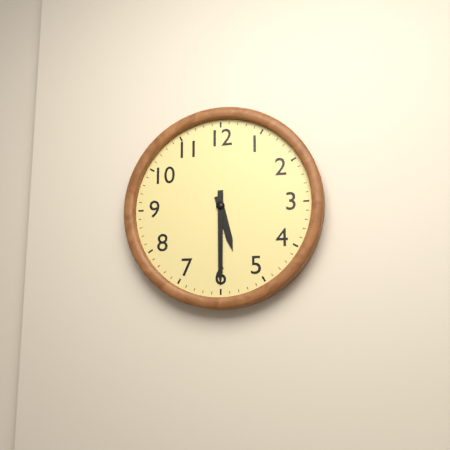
5:30
